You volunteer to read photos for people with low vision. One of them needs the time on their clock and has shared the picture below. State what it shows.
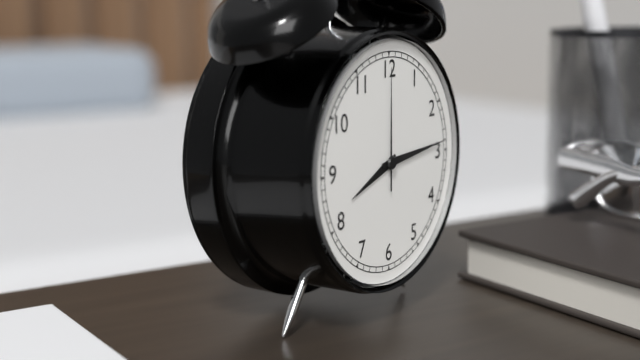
8:14:00
